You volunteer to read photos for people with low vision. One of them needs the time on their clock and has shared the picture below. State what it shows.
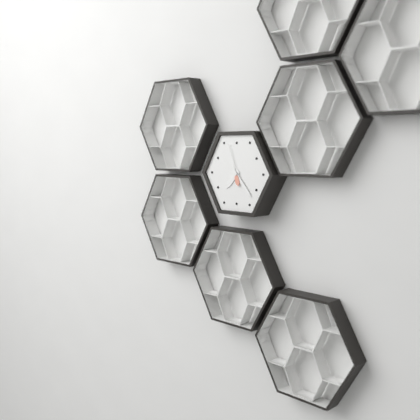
7:23
